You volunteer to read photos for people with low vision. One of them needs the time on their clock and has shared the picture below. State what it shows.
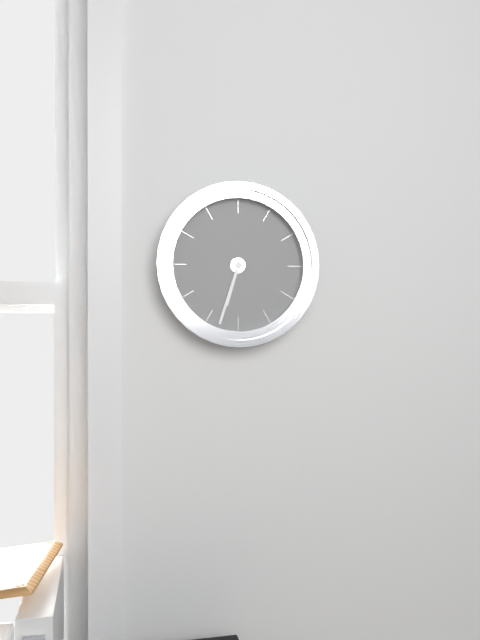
6:33
